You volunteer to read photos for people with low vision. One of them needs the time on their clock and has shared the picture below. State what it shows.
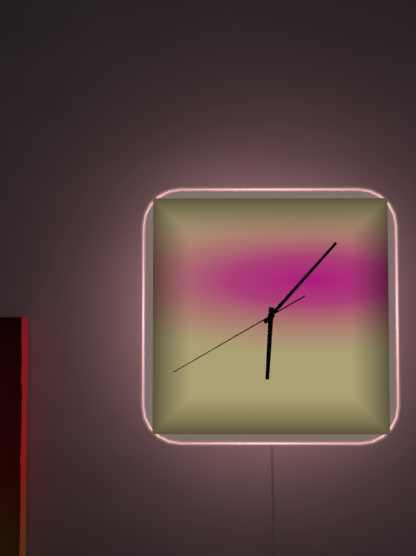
6:07:40
